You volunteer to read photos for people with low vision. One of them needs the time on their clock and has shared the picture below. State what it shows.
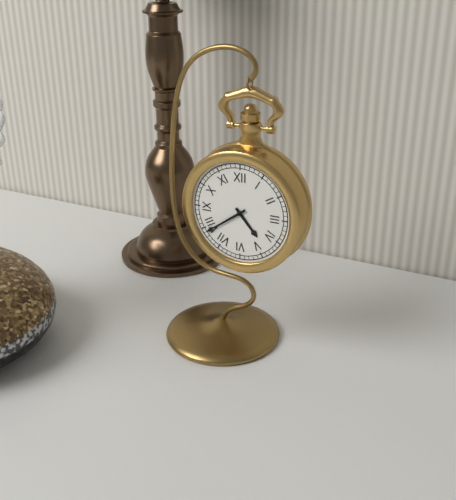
4:39
